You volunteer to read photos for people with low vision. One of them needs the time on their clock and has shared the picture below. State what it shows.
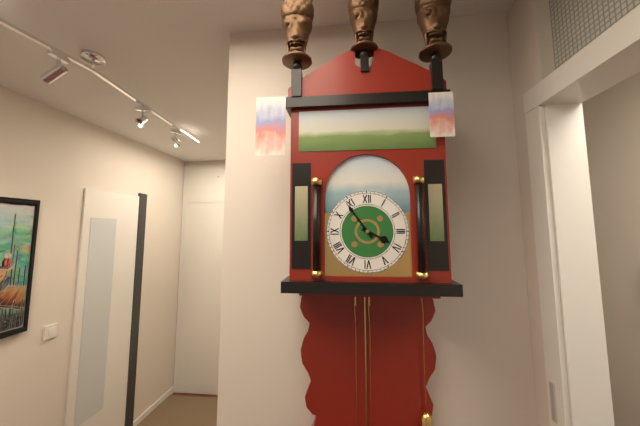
3:54
